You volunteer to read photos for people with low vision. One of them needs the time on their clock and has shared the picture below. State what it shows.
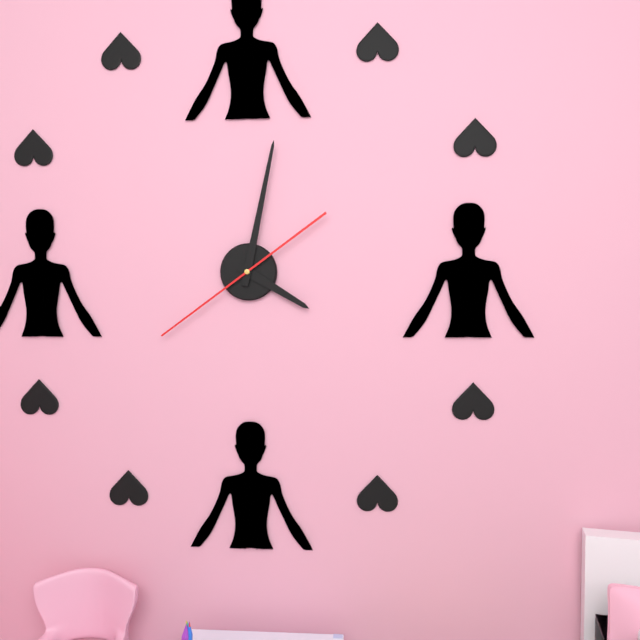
4:02:39
